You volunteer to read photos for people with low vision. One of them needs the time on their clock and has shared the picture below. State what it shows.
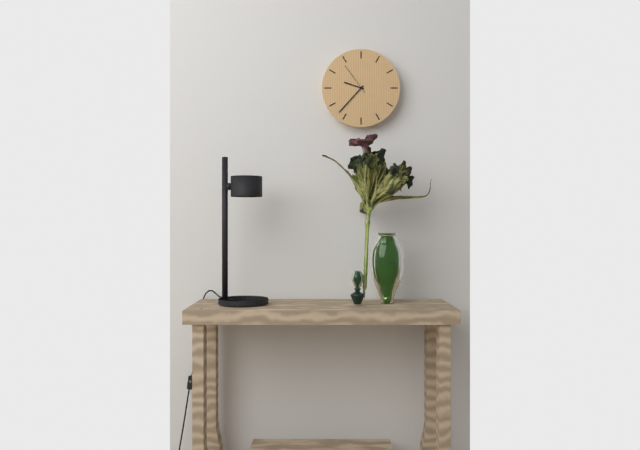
9:37
